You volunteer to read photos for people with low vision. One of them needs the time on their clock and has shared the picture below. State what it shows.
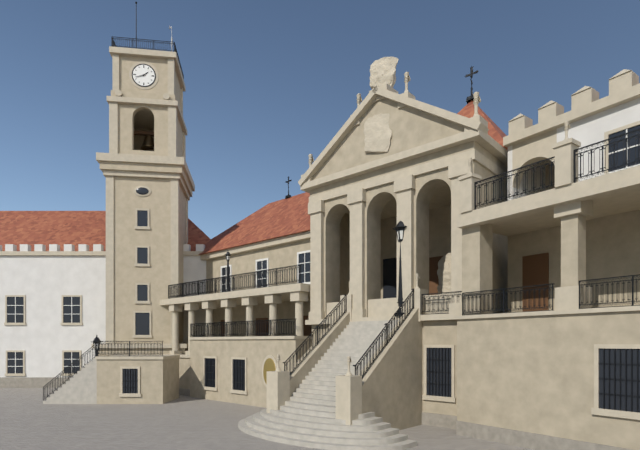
1:42
